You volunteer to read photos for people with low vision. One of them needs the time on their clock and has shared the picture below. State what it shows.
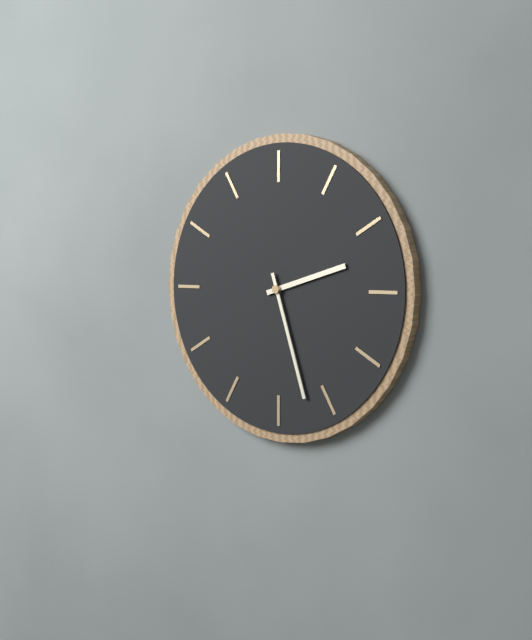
2:27
